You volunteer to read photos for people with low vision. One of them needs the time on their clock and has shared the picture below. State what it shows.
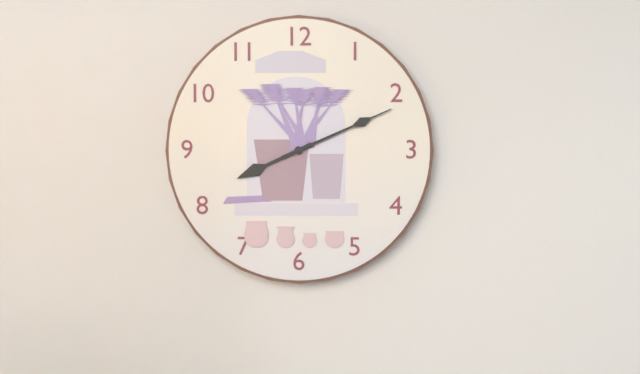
8:11
